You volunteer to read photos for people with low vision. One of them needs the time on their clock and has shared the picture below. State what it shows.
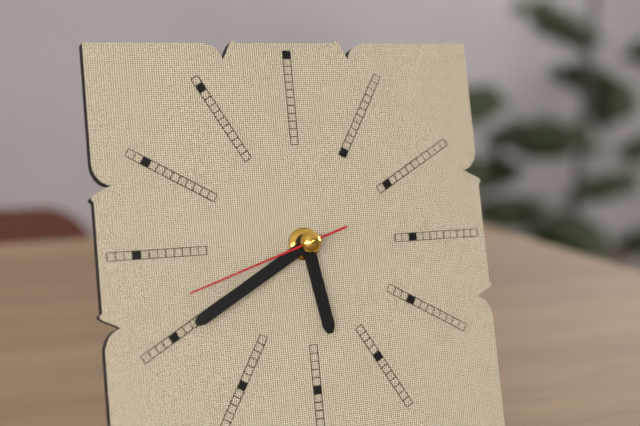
5:40:42
